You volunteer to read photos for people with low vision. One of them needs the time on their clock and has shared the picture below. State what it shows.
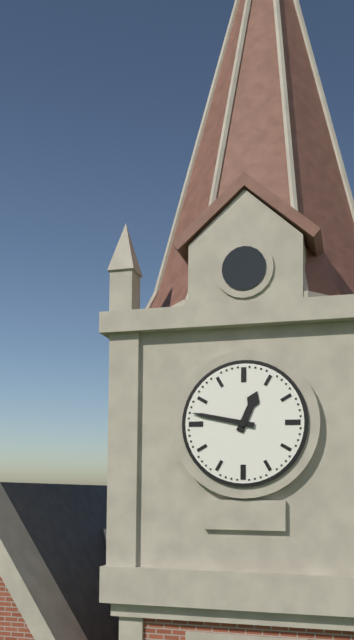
12:47
